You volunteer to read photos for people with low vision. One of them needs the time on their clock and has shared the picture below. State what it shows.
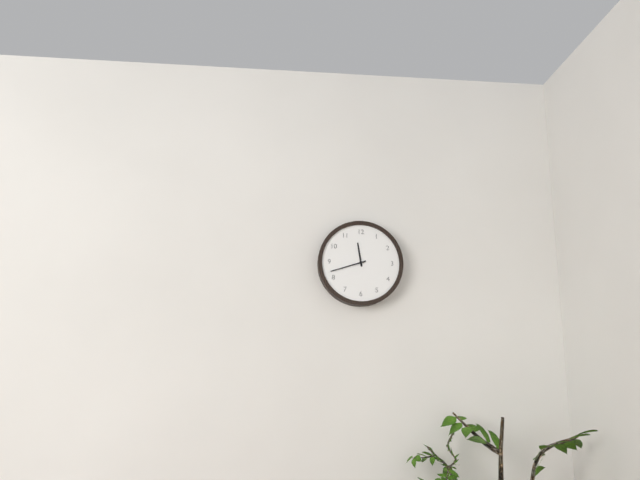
11:42
